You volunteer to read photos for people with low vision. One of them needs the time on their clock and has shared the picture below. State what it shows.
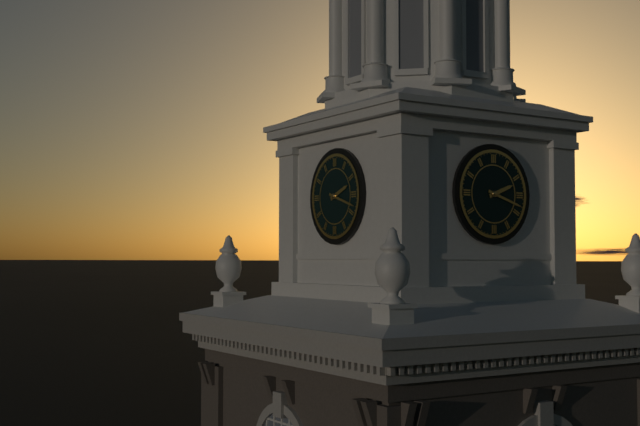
2:18
